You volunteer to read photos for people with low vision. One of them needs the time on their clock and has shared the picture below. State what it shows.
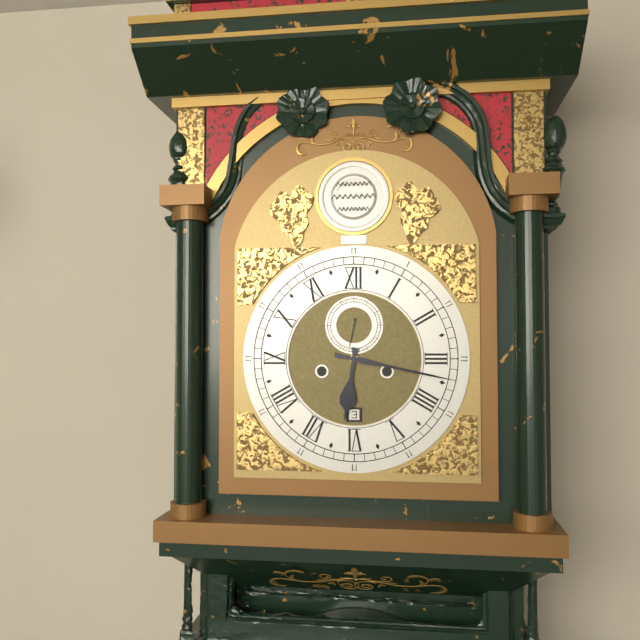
6:17
